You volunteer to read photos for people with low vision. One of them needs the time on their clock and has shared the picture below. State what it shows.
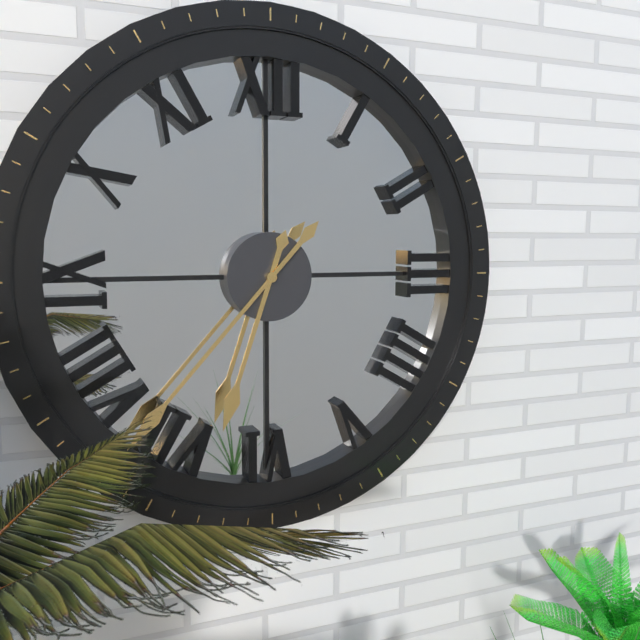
6:37
